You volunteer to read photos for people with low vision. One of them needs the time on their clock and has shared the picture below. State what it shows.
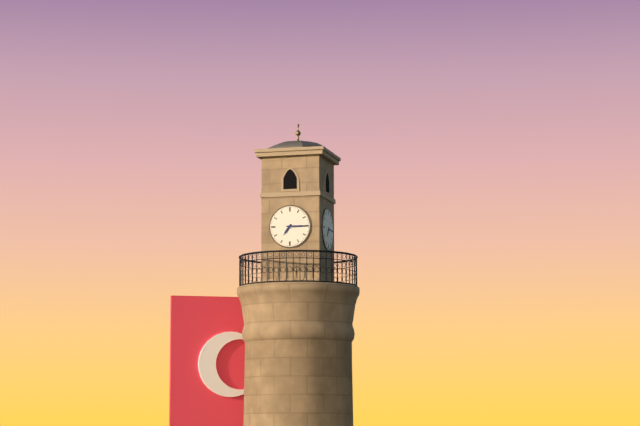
7:15
